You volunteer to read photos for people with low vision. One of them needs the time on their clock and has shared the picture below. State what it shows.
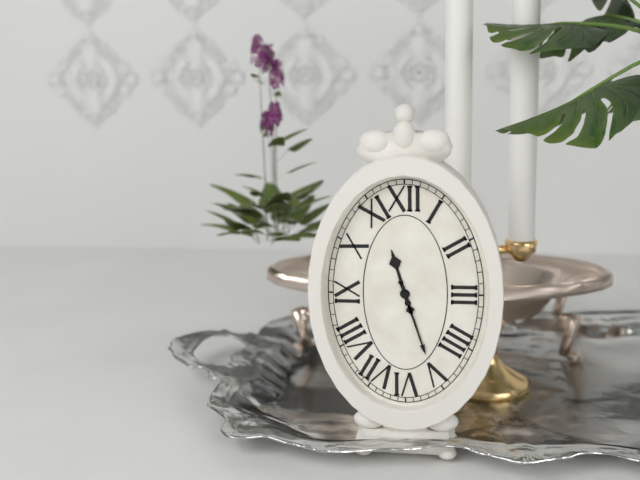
11:27
